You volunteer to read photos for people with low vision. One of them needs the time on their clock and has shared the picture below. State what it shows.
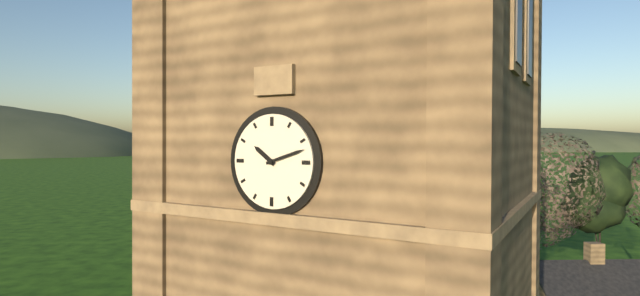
10:12
